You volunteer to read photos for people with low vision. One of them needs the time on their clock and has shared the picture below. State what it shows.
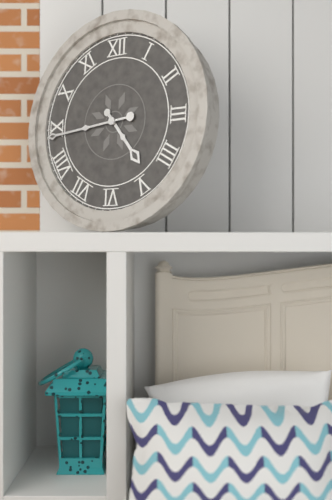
4:44
